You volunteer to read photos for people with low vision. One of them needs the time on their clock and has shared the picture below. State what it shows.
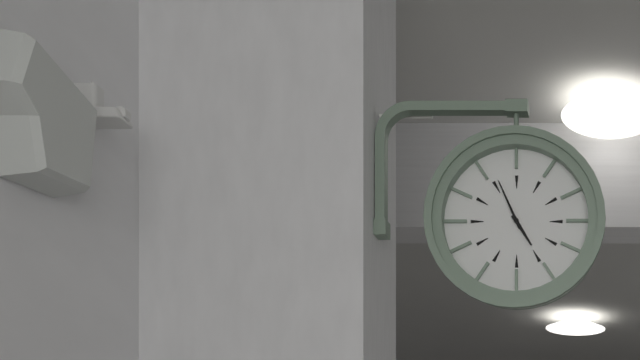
4:56
